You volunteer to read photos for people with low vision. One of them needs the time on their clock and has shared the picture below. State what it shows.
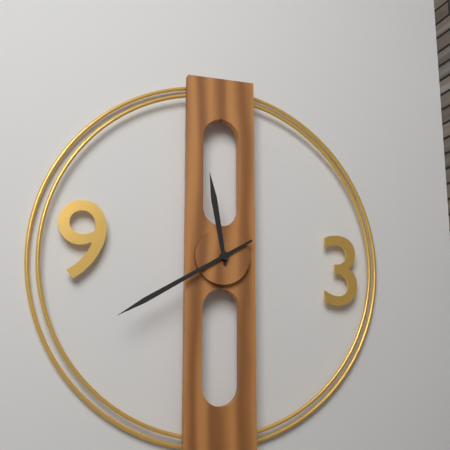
11:40
